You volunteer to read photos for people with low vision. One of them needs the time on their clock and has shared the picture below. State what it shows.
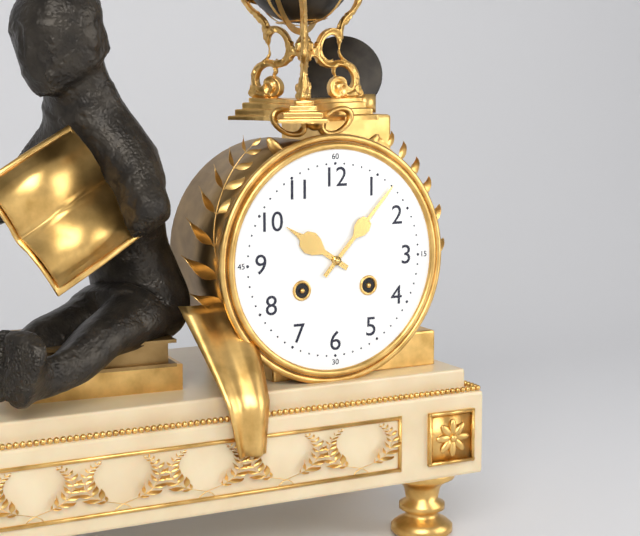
10:07
